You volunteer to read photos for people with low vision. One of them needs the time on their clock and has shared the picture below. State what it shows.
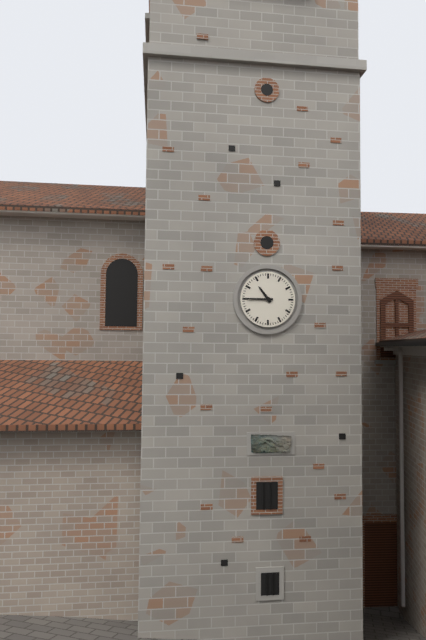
10:45
